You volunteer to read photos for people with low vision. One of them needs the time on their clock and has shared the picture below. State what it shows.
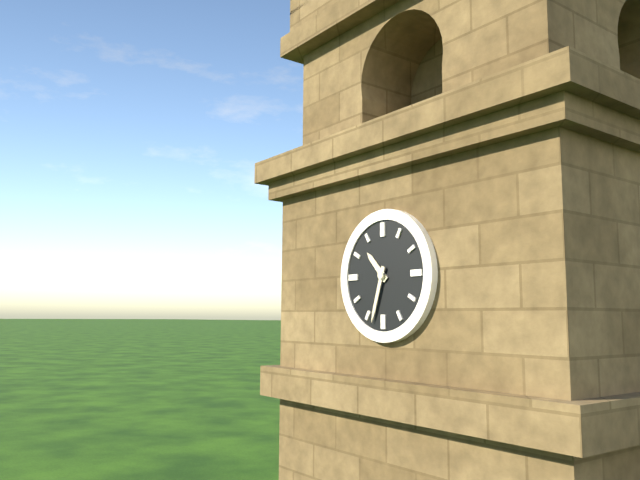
10:33
